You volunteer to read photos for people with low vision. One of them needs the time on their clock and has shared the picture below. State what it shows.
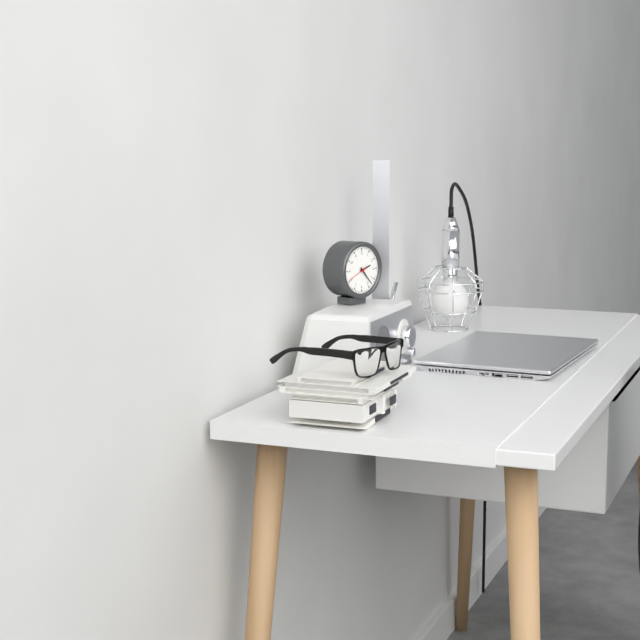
2:23
